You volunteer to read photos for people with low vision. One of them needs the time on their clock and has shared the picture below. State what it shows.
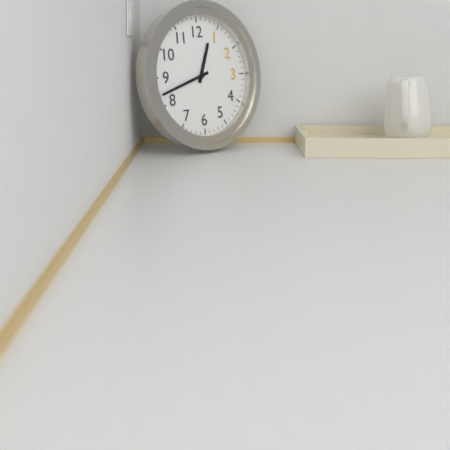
12:42
